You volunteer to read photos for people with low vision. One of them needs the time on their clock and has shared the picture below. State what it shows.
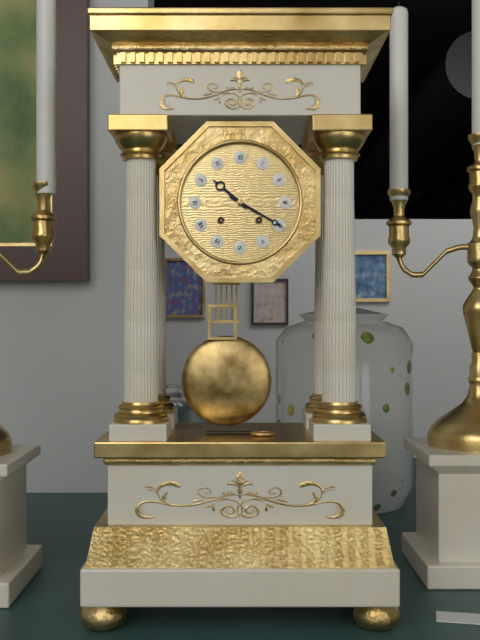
10:20
